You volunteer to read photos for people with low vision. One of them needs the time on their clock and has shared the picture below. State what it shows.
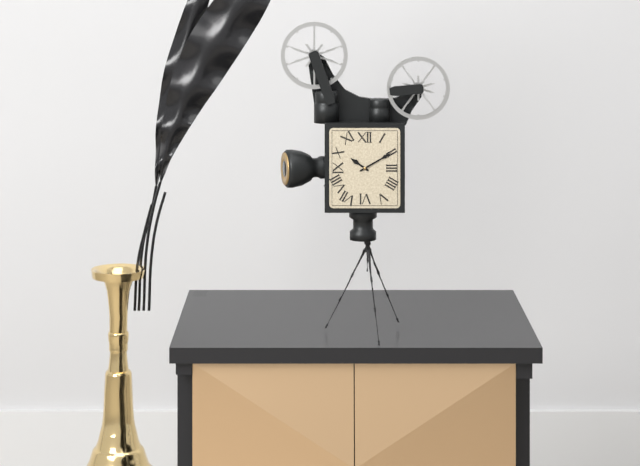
10:10
